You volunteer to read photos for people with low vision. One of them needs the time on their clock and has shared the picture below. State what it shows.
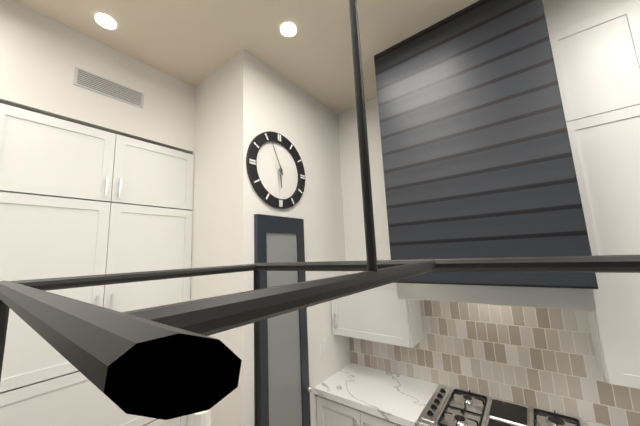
5:56
